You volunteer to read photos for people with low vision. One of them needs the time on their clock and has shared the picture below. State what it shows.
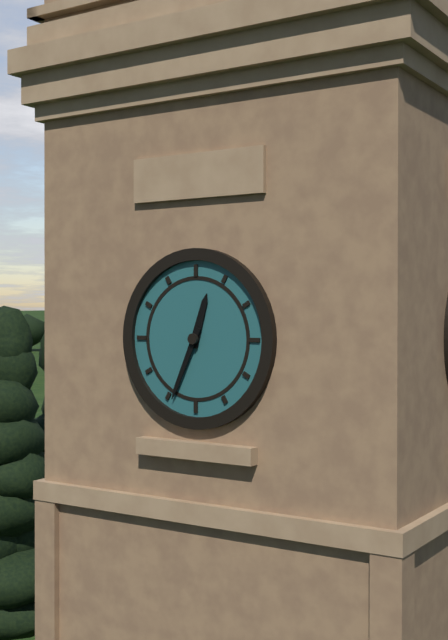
12:34
